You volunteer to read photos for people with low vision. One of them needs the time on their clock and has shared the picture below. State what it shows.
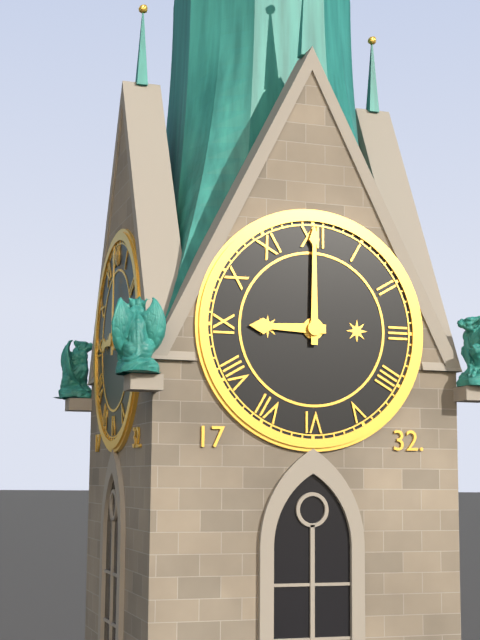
9:00
